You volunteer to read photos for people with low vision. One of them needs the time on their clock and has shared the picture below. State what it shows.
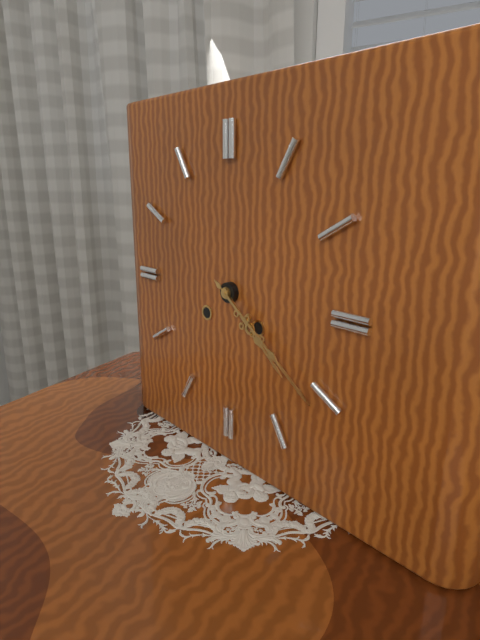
4:21
